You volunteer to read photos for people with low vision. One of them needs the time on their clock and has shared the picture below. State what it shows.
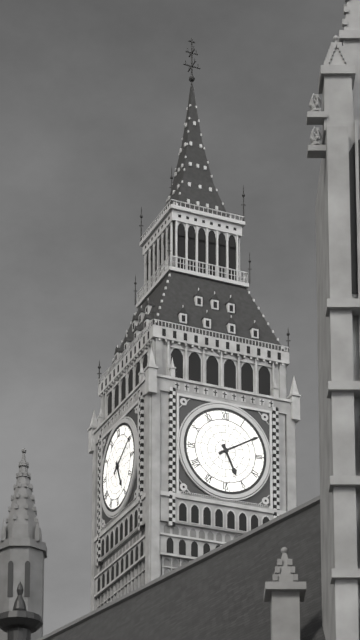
5:10
